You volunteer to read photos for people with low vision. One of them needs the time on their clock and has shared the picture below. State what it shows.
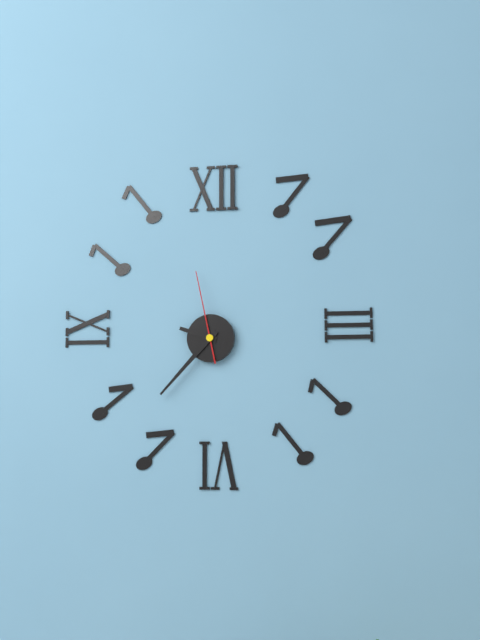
9:37:58
